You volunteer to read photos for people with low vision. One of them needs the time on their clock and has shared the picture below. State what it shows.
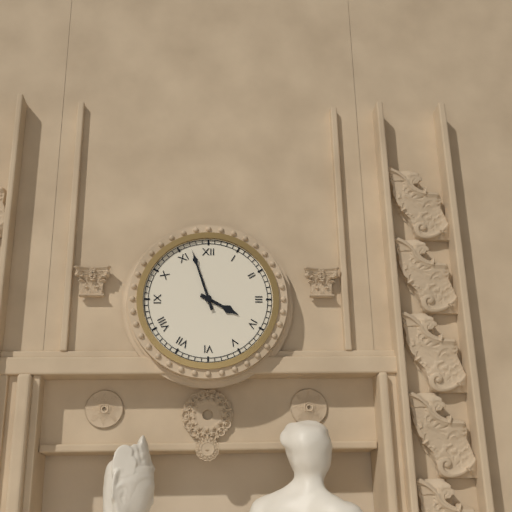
3:57
